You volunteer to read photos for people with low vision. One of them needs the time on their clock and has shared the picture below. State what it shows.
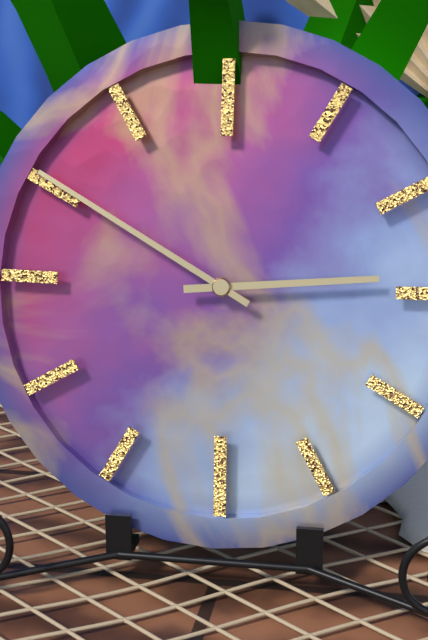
2:50
